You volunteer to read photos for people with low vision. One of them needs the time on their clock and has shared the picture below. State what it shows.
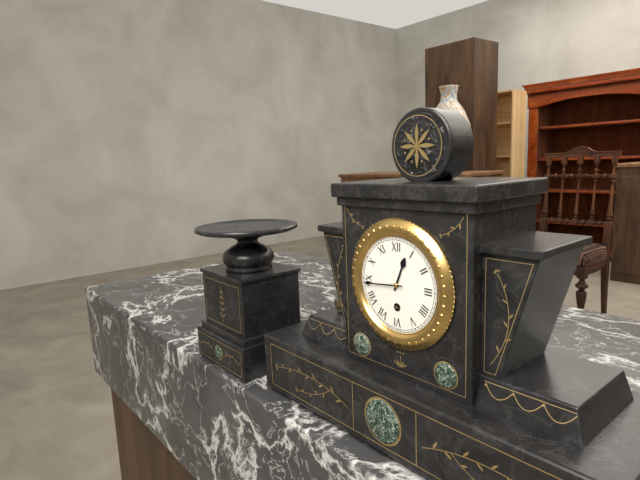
12:44
